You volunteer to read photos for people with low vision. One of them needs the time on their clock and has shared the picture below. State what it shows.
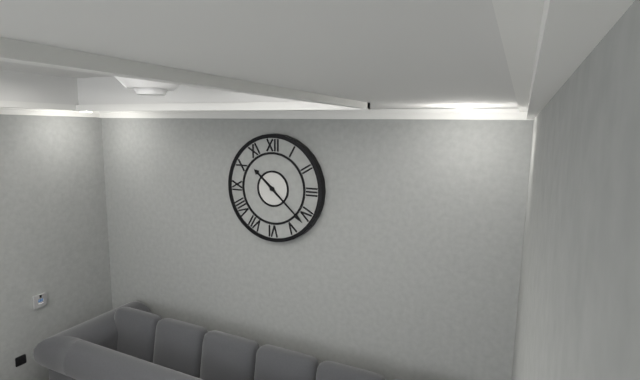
10:22
